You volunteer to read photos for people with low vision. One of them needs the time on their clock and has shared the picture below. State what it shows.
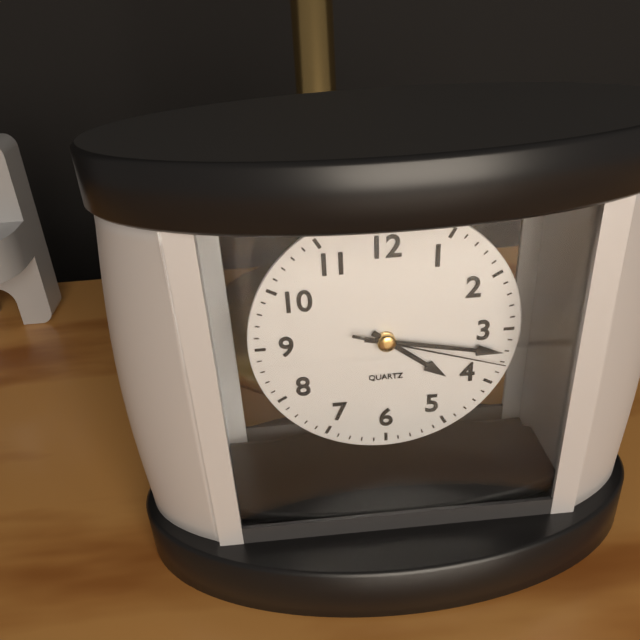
4:17:18
